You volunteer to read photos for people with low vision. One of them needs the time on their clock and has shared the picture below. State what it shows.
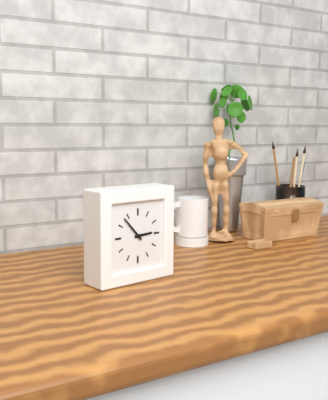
2:53
